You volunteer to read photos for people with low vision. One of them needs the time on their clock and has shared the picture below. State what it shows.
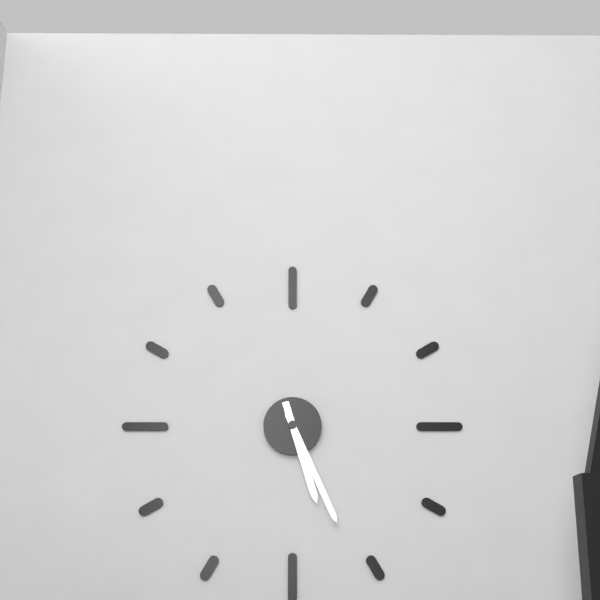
5:26
